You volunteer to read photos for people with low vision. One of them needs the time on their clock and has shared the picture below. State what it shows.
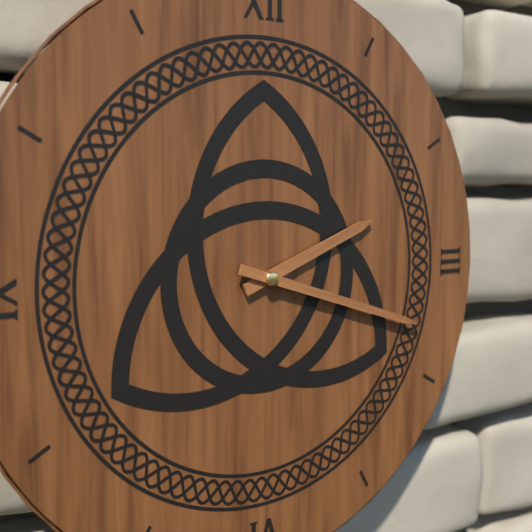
2:18
